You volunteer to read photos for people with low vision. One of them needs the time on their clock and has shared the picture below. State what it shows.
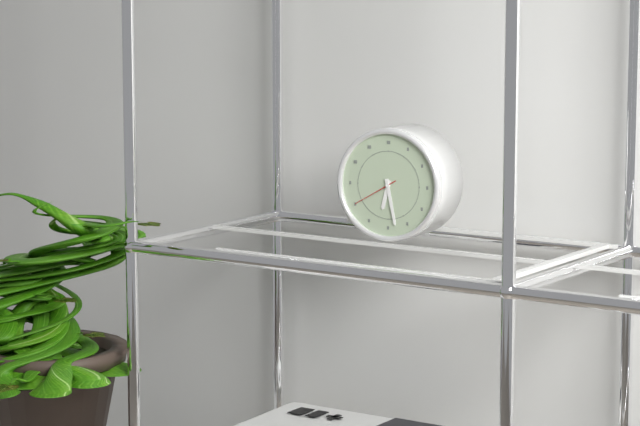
6:28
